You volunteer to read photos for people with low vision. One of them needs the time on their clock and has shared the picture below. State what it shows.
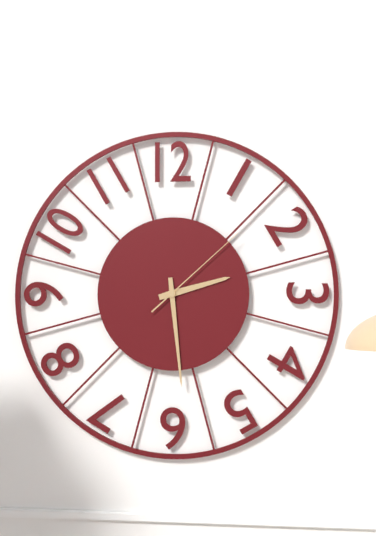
2:29:08
